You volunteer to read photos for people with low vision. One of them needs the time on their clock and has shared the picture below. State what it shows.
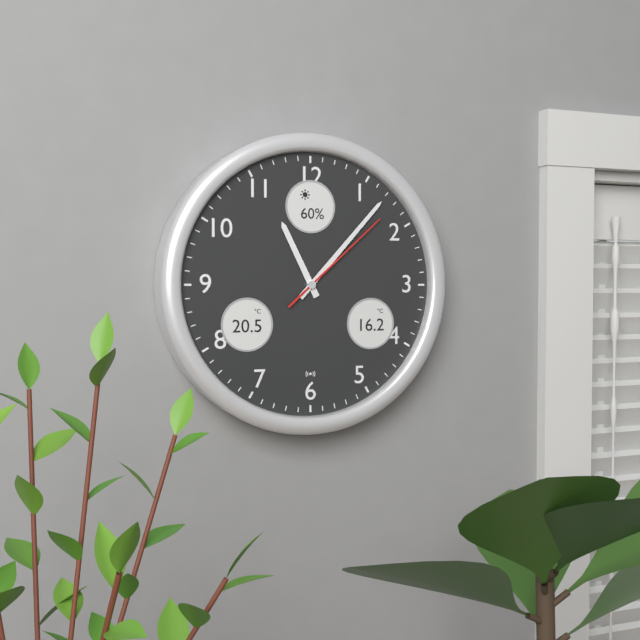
11:07:08
